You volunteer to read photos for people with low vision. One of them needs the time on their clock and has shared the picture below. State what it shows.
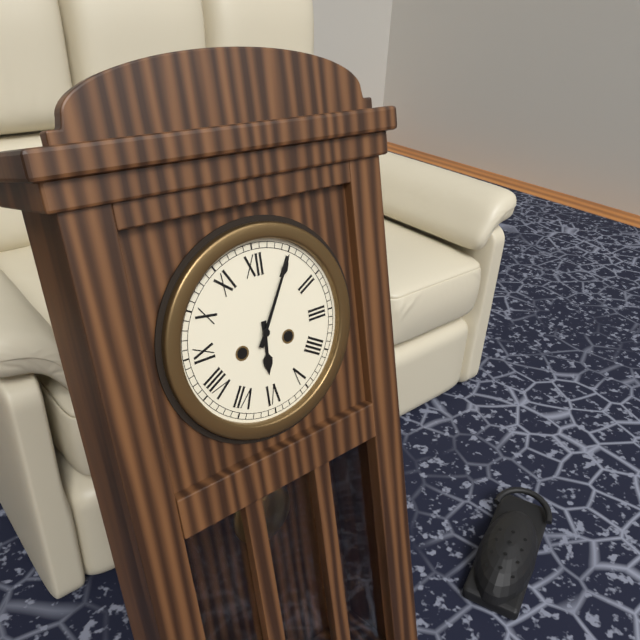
6:05
